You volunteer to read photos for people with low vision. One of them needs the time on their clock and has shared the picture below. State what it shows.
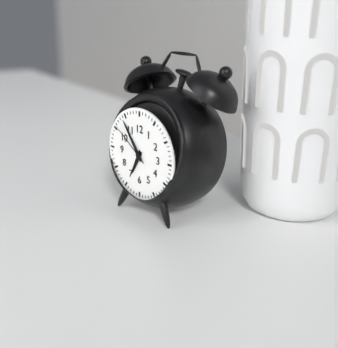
6:54
